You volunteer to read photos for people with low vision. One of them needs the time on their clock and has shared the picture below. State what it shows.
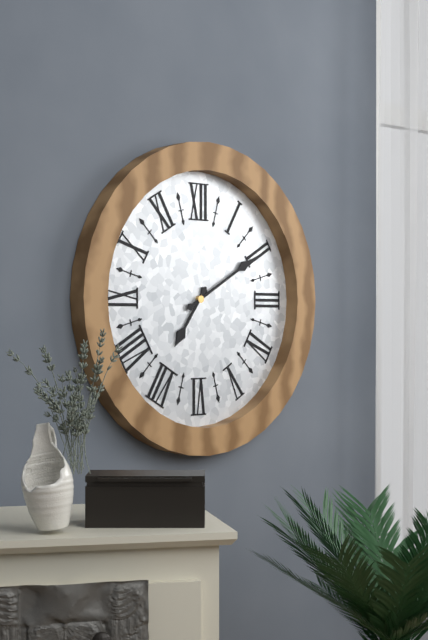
7:10
